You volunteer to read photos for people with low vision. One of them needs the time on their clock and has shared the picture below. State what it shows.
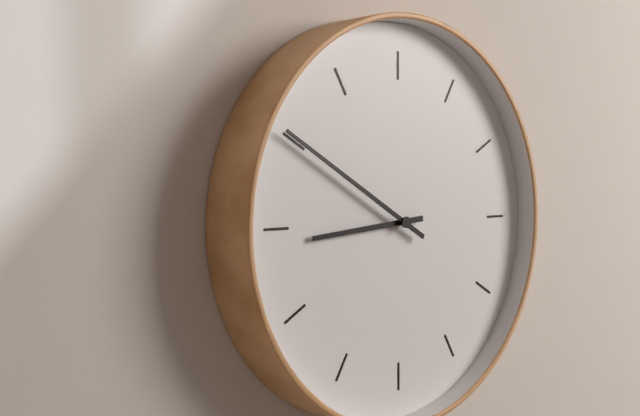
8:50
